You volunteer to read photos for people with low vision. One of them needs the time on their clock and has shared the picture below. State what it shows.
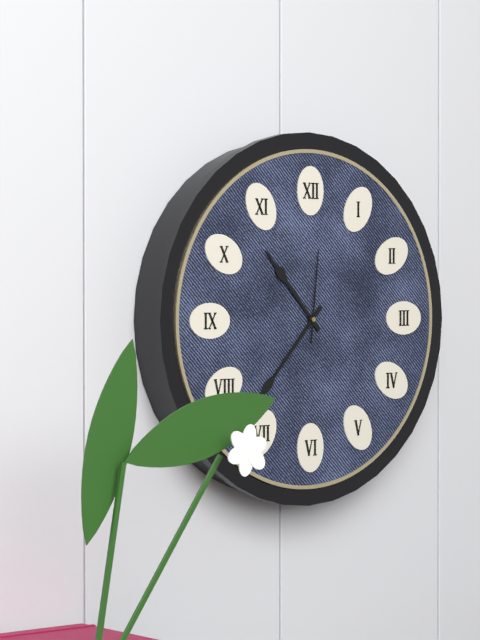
10:37:01
